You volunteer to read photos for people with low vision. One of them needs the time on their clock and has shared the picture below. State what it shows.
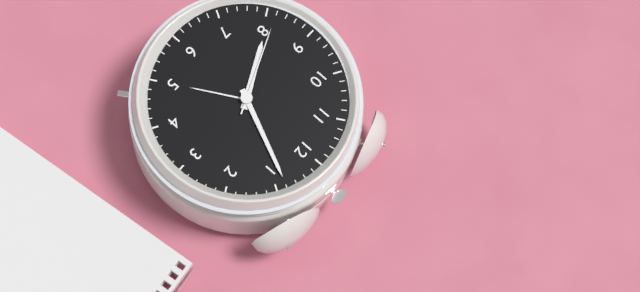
8:04:41
